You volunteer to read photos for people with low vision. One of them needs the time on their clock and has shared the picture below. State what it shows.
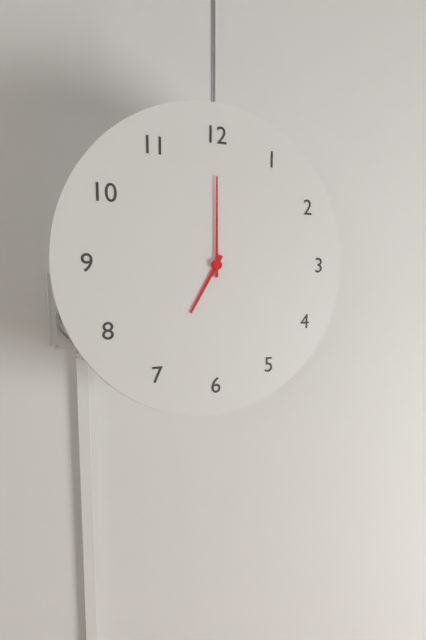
7:00
